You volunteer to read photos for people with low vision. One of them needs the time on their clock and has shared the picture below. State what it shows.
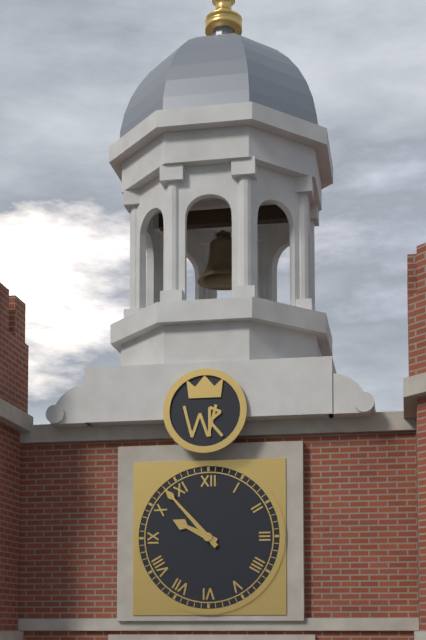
9:53
